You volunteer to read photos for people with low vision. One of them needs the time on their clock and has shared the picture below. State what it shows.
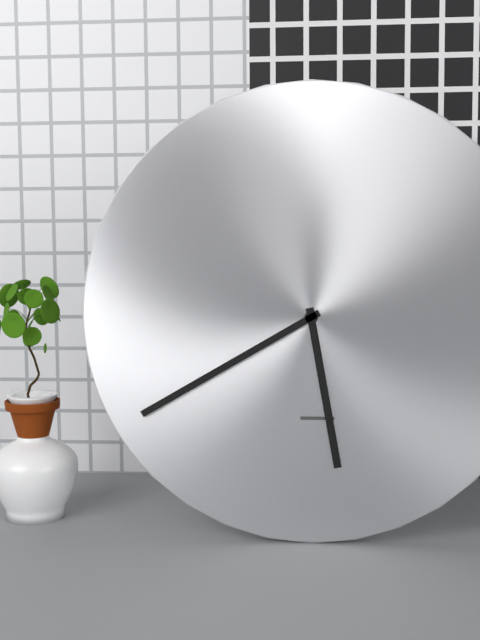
5:40
